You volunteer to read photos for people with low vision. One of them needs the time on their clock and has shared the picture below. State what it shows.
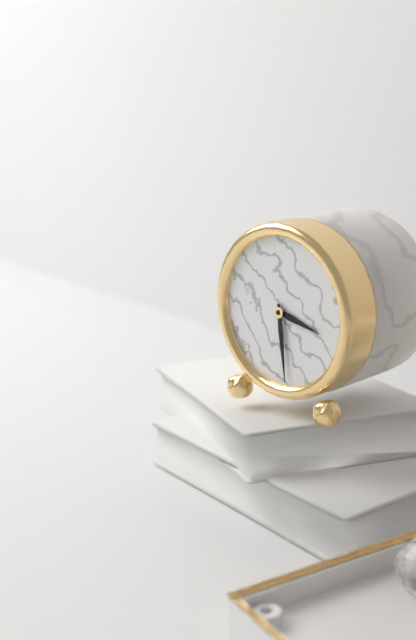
3:29
